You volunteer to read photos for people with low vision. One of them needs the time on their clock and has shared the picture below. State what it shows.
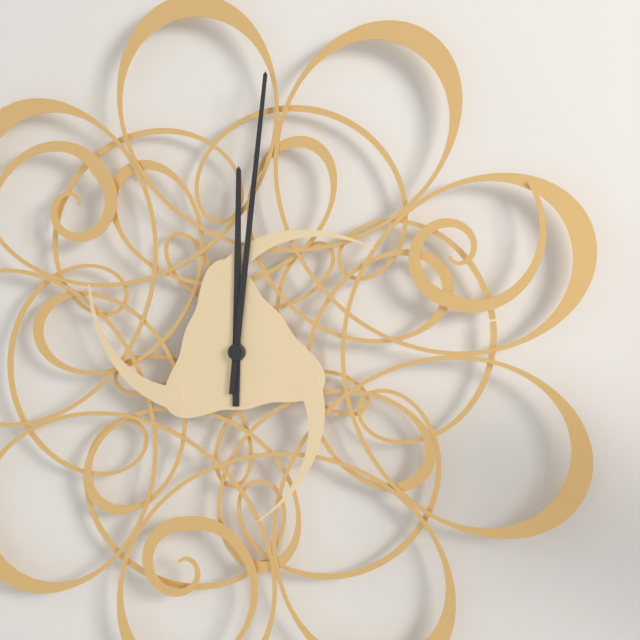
12:01
